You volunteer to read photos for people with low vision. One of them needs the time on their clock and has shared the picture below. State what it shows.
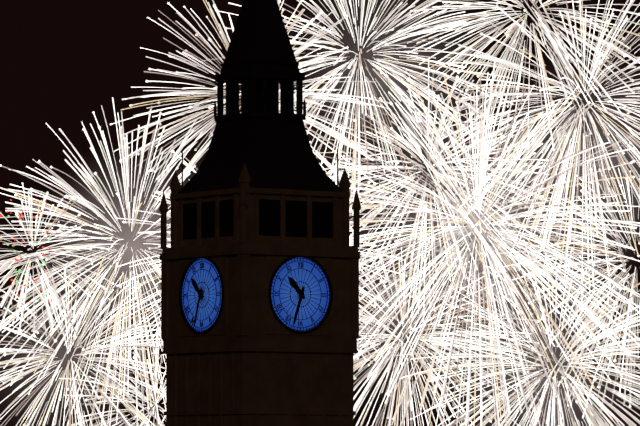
10:33
